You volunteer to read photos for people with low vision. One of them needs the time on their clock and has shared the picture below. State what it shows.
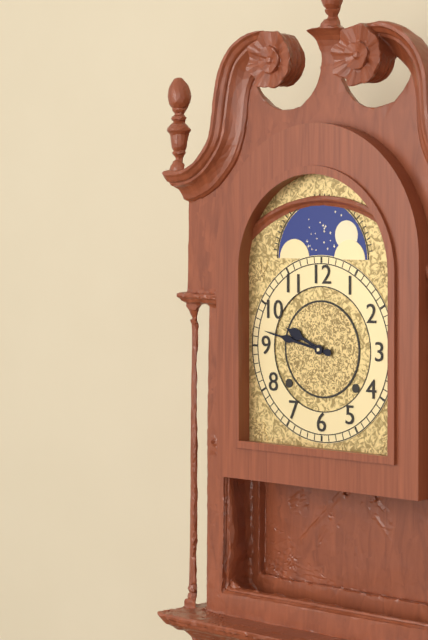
9:47
